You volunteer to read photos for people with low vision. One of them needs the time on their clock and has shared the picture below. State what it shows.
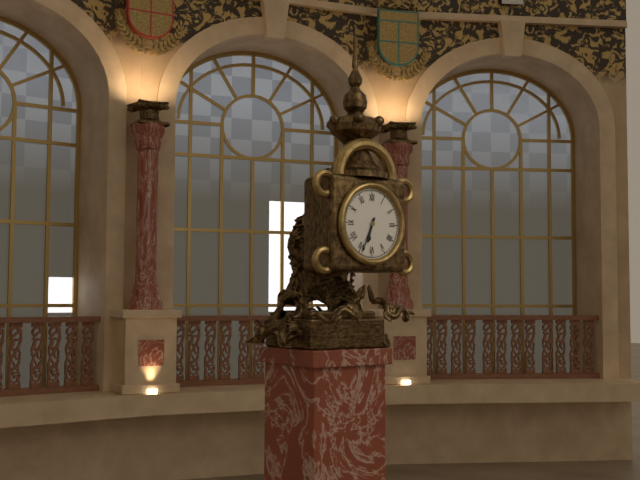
6:34
